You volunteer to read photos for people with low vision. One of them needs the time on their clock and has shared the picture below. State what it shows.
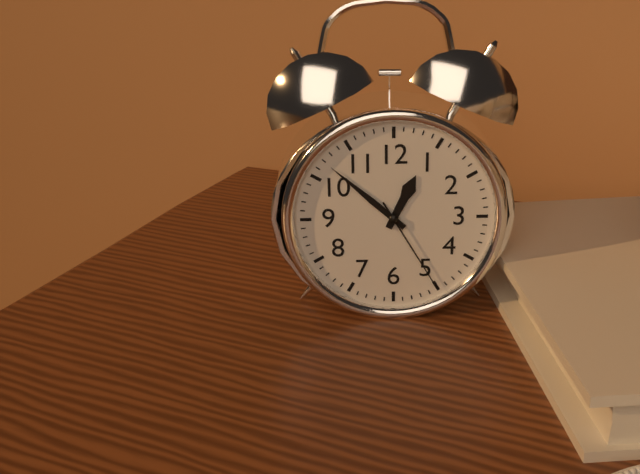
12:52:25
